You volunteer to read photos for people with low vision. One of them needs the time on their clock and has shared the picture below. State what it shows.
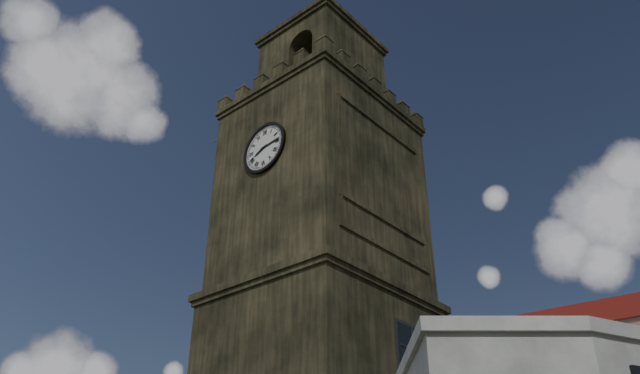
8:14
